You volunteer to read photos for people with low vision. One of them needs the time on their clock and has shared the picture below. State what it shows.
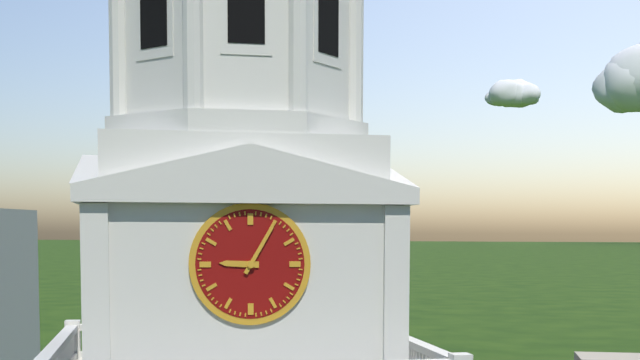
9:05
